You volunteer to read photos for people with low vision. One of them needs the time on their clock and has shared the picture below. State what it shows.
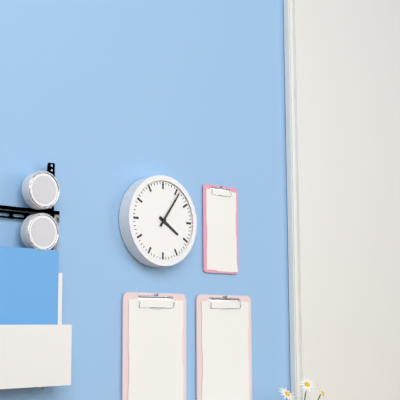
4:06
